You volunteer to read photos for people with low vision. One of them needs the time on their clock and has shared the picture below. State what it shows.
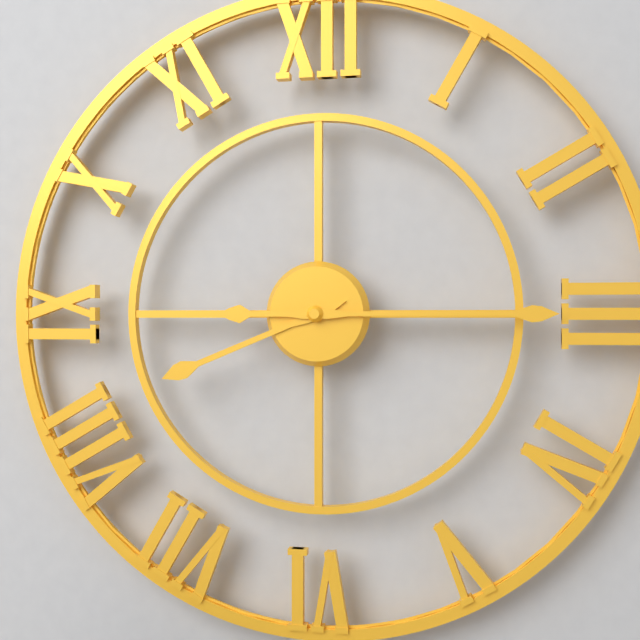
8:15
